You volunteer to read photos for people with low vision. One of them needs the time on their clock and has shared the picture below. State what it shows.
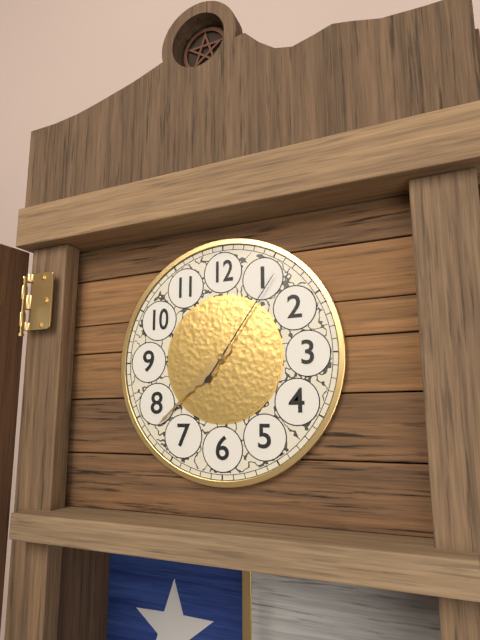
7:38:06
